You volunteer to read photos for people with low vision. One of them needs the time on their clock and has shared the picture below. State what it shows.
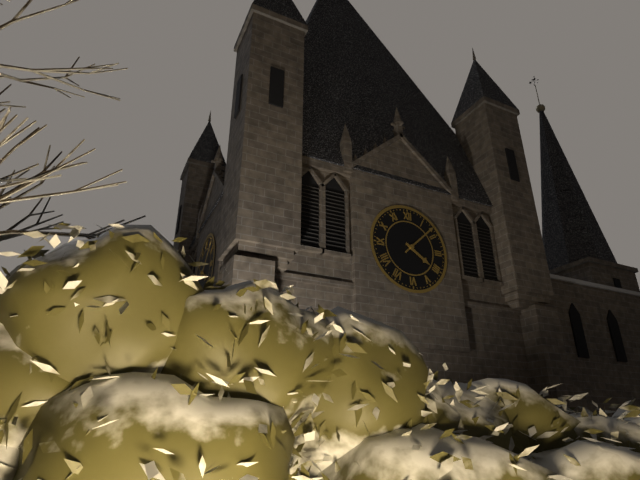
4:08
